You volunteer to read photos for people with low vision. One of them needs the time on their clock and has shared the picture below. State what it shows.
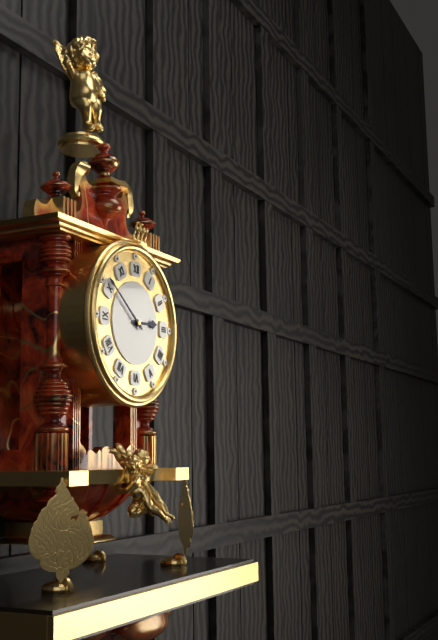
2:51
